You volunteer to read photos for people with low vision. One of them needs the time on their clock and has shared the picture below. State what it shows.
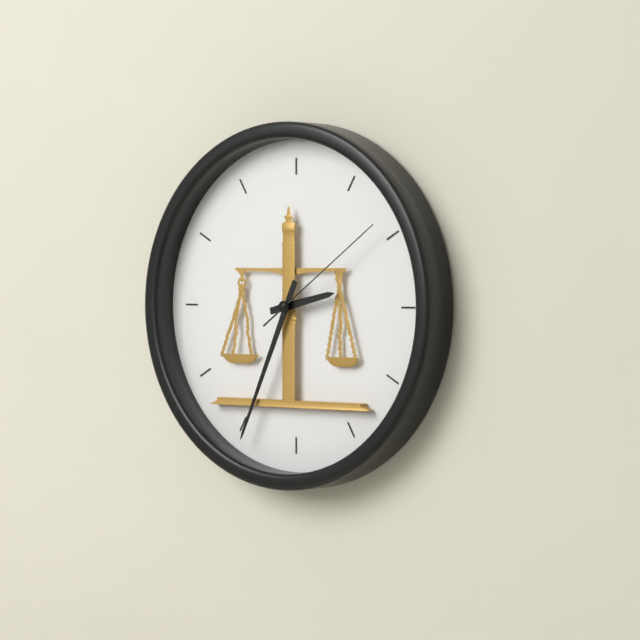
2:34:09
